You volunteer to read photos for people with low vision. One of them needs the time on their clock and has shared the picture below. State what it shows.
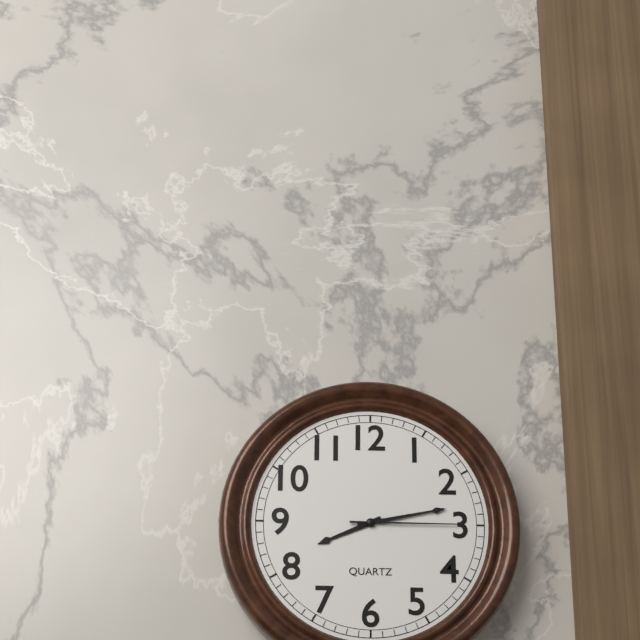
8:13:15
